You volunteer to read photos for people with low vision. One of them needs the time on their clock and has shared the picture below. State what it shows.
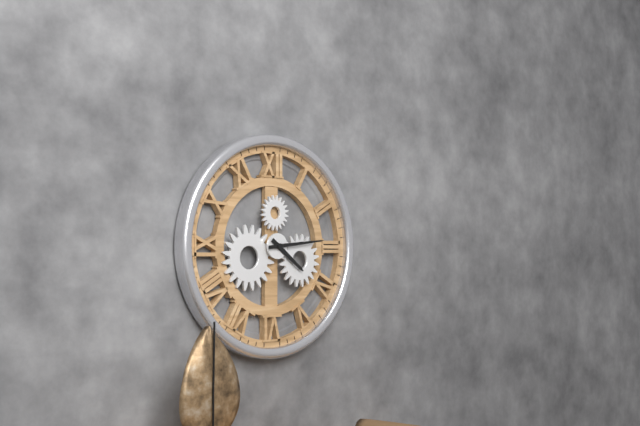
4:14
